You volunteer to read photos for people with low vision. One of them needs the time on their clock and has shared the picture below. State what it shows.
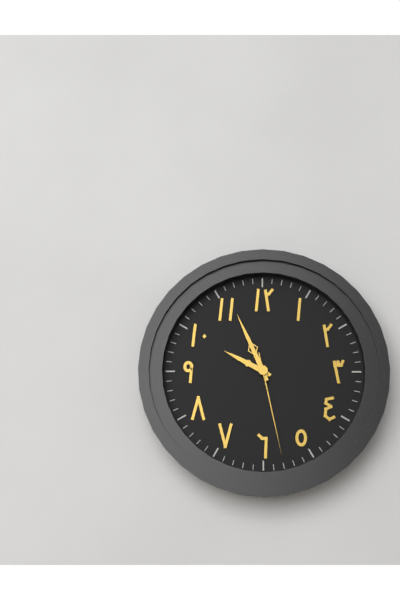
9:56:28
